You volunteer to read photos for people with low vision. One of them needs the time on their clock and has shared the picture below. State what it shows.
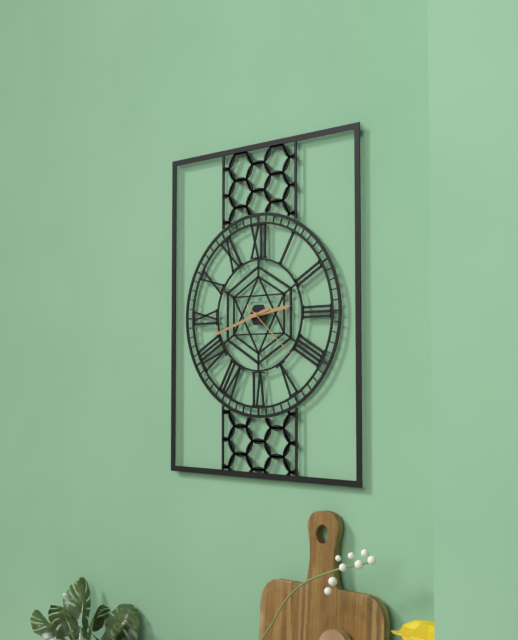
2:42:22
